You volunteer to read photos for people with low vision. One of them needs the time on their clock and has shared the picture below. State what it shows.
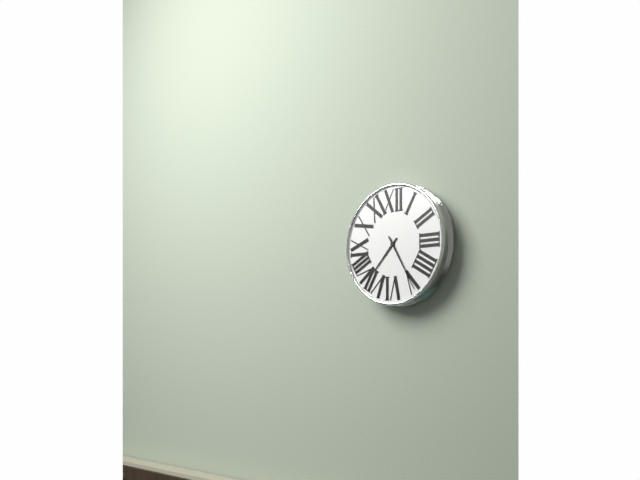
7:25
